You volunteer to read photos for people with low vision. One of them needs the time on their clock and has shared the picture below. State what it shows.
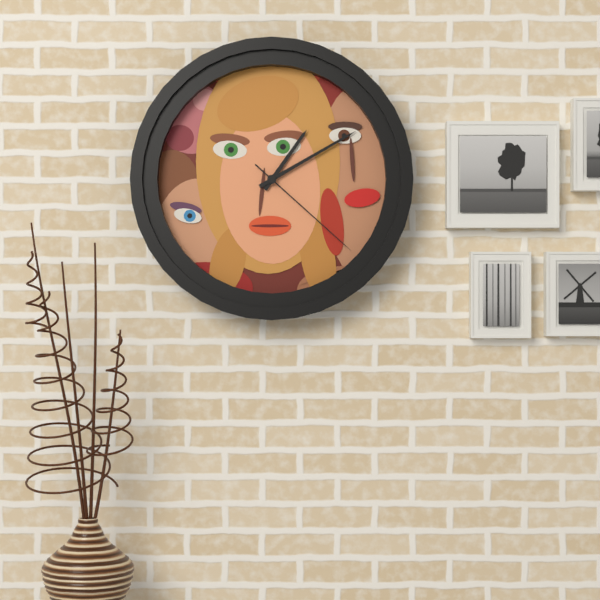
1:10:22
